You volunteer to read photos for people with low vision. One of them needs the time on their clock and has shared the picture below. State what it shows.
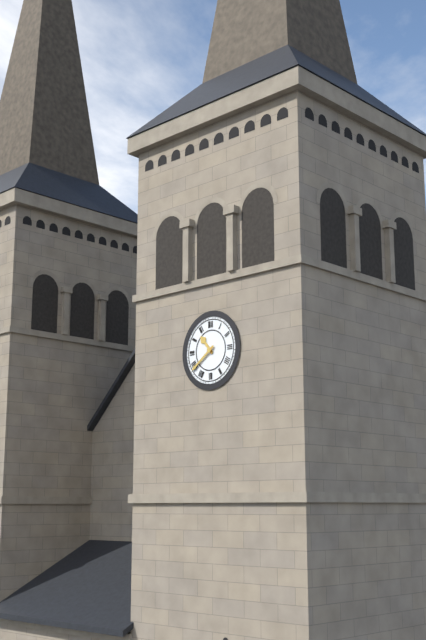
10:39
